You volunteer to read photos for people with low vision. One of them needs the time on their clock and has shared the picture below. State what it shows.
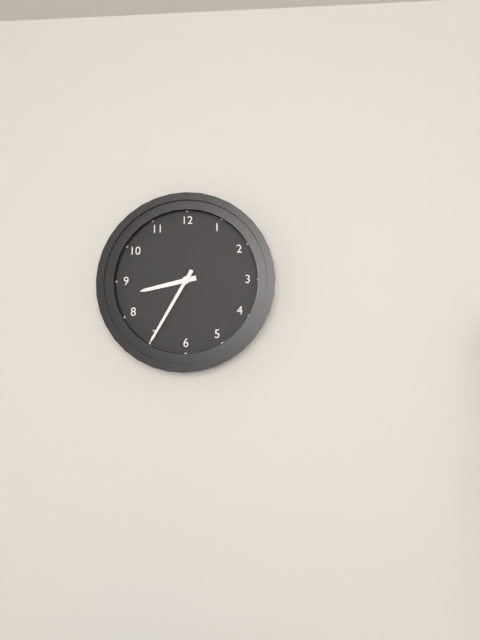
8:35
